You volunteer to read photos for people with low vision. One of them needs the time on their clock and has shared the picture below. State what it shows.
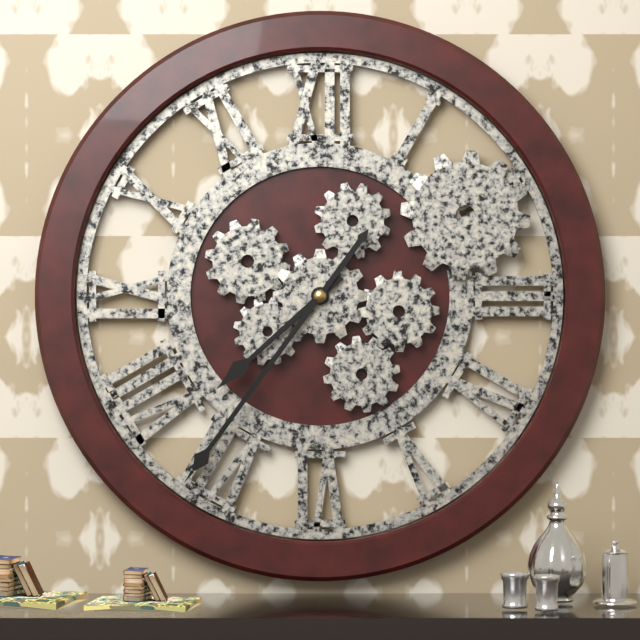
7:36
